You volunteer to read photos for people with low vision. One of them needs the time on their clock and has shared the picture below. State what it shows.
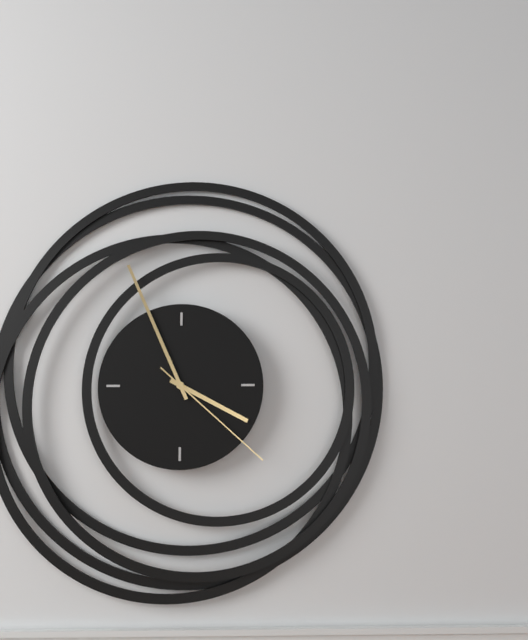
3:56:22
